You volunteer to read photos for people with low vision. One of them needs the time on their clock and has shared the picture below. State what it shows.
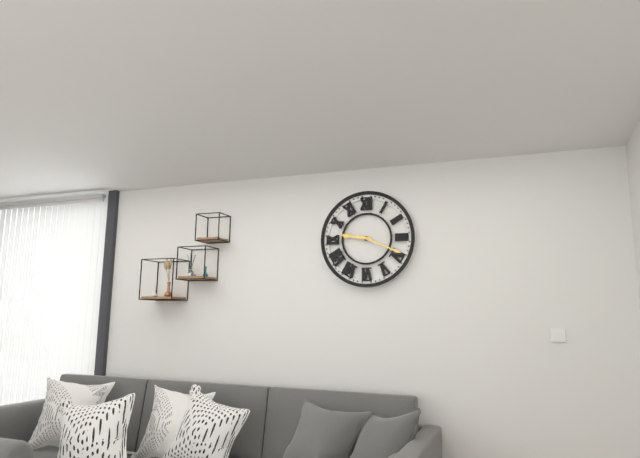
9:19
